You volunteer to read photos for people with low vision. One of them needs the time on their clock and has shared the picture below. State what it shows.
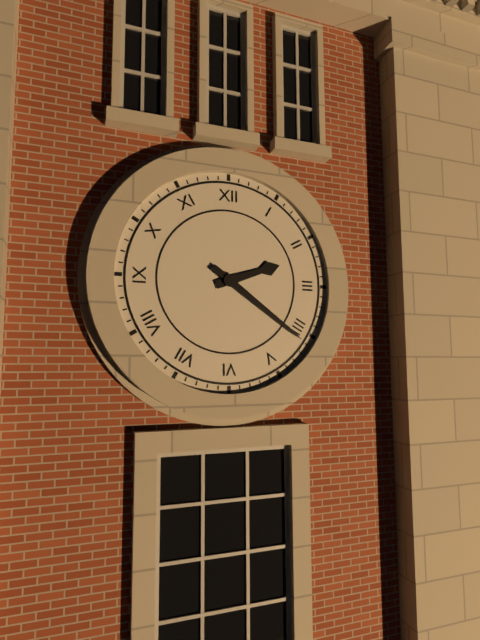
2:21
